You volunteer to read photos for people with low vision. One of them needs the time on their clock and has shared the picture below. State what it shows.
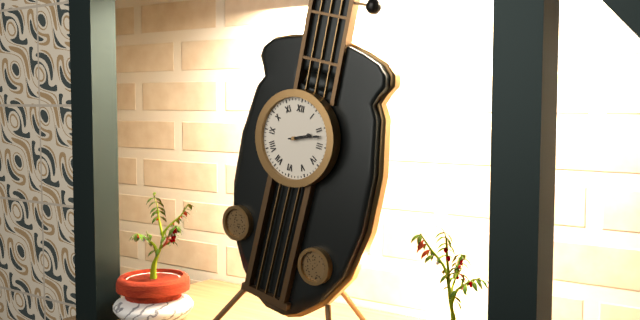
2:12
